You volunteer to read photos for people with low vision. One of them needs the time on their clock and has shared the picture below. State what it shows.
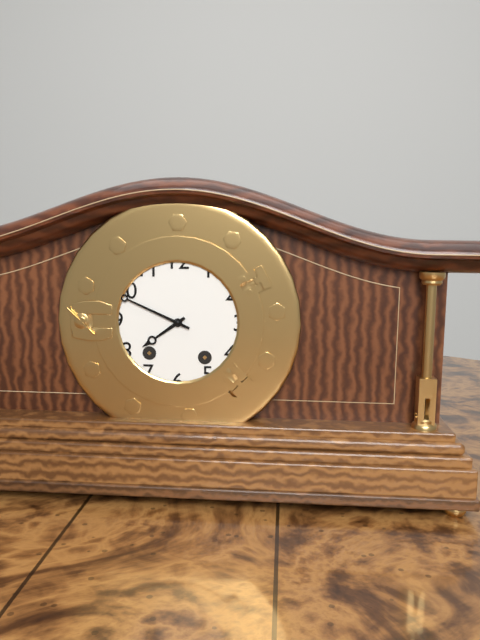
7:49
